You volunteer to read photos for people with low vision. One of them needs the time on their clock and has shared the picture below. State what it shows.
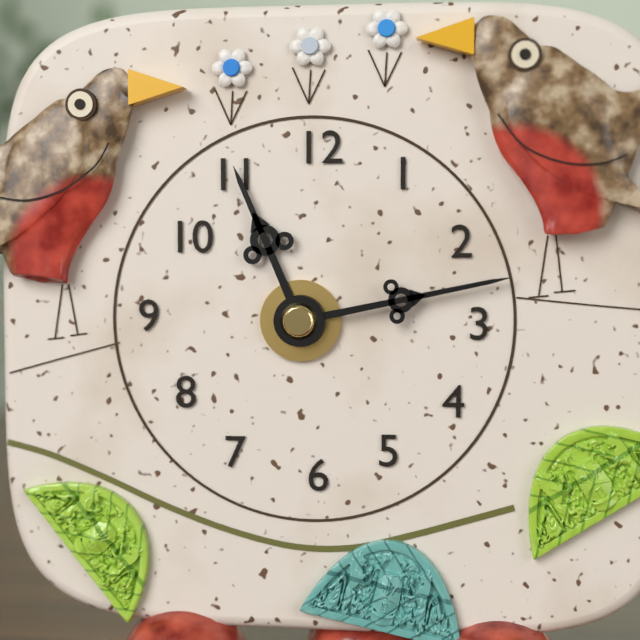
11:13
